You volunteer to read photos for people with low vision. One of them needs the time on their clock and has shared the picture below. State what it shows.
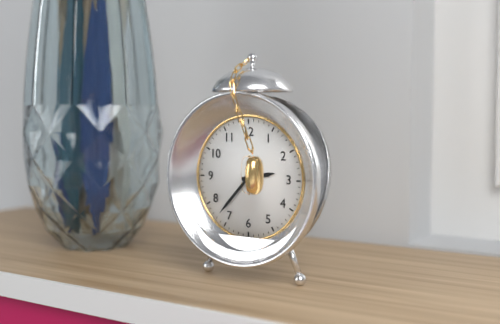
2:37
